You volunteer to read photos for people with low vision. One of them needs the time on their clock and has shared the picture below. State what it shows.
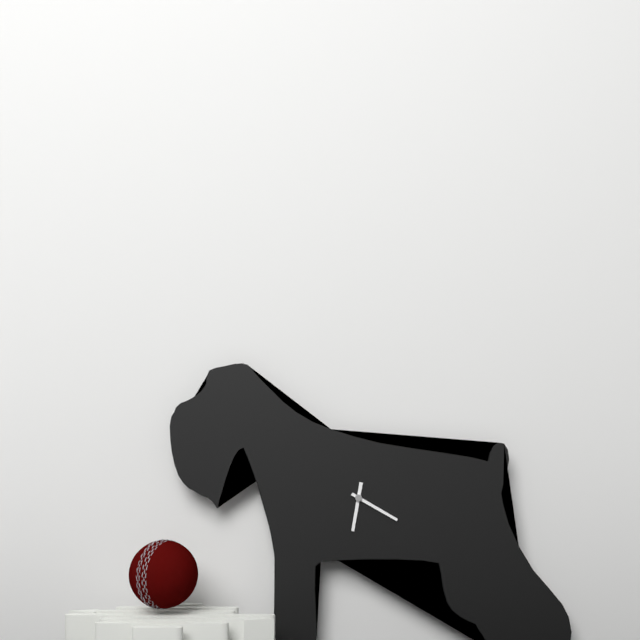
6:20
